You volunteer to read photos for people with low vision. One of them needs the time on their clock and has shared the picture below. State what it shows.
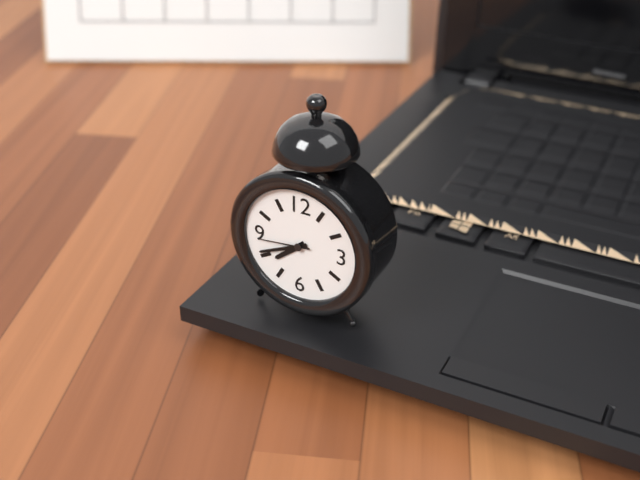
7:41:44
